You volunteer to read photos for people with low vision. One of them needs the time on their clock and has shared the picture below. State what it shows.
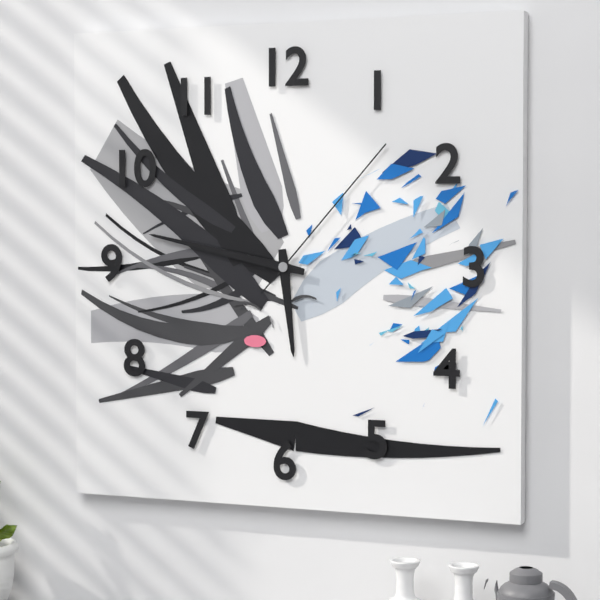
5:47:07
